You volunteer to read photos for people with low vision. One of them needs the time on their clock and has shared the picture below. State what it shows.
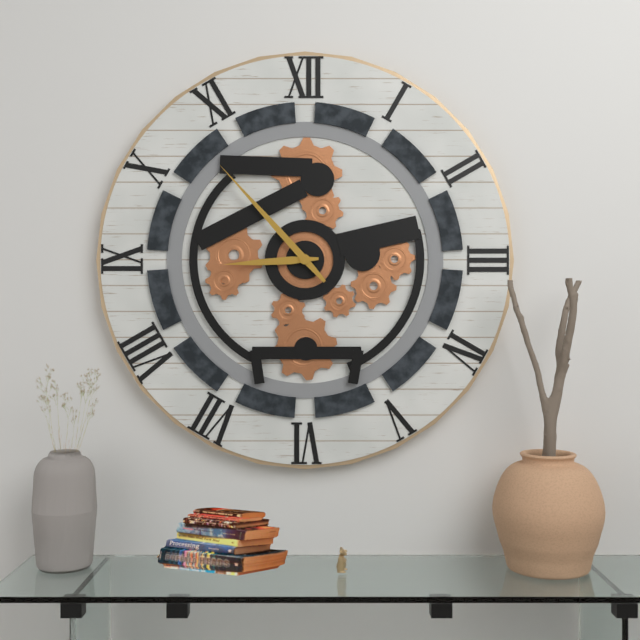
8:53
